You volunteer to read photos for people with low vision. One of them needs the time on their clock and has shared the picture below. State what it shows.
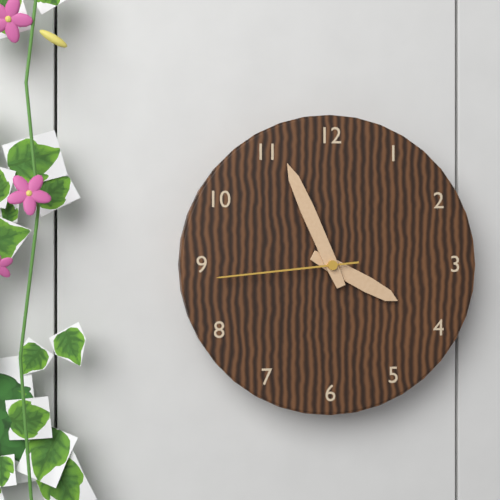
3:56:44
